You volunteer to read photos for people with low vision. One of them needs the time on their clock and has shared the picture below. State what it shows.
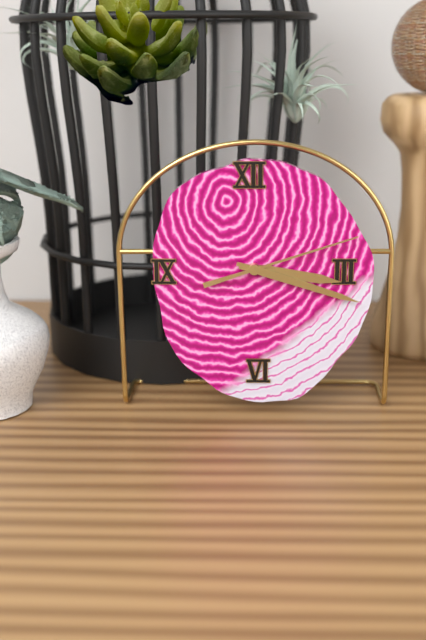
3:18:12
